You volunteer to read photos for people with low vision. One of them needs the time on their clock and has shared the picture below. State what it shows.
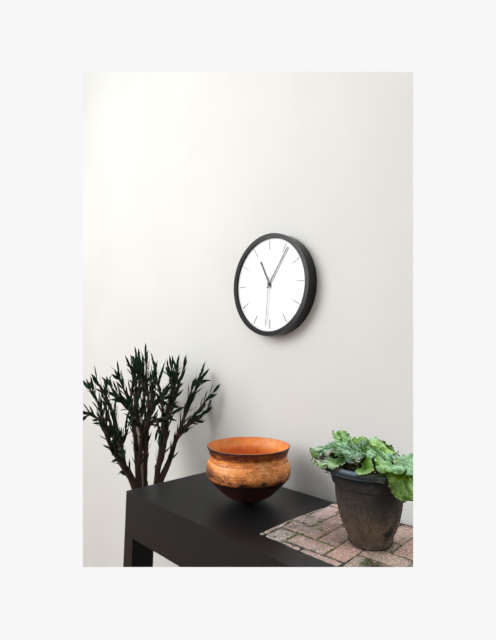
11:06:31
